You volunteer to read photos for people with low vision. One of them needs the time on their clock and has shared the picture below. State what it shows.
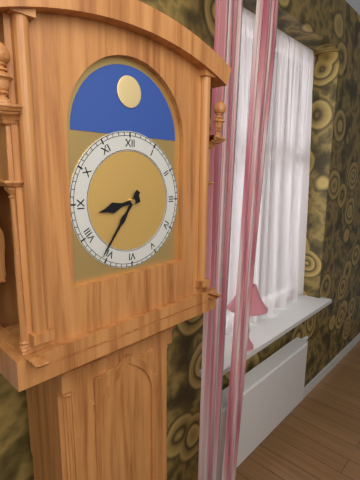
8:36
